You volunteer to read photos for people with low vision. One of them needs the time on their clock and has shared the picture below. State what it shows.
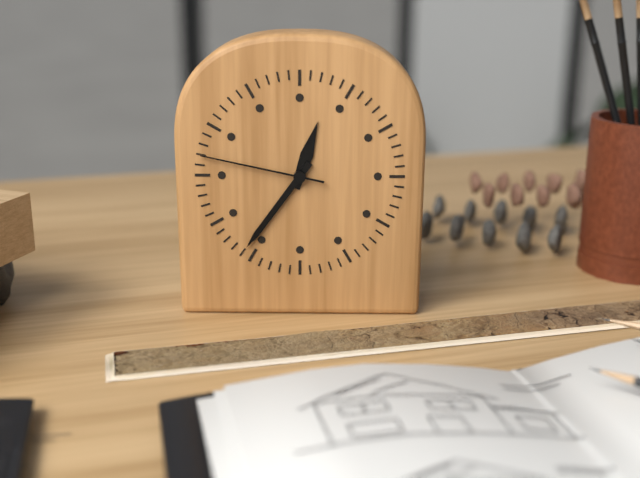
12:36:47
